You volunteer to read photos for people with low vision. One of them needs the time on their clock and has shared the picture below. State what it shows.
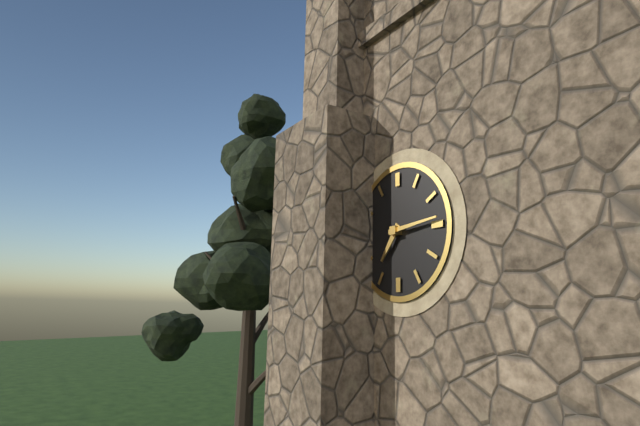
7:14
